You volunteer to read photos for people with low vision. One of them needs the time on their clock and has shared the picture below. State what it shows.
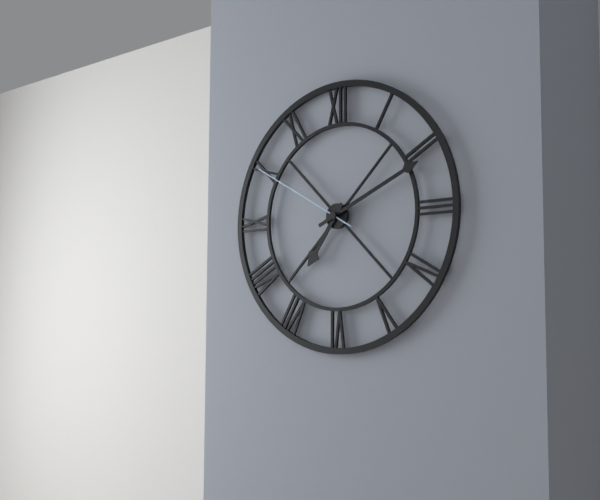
7:11:50
